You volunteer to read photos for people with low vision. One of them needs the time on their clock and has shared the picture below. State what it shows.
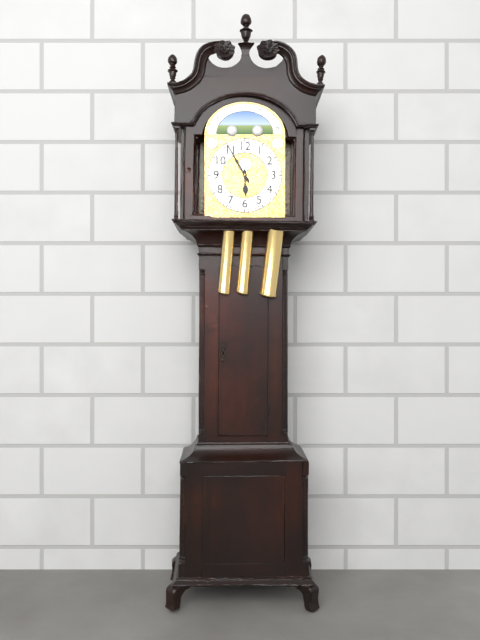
5:55
